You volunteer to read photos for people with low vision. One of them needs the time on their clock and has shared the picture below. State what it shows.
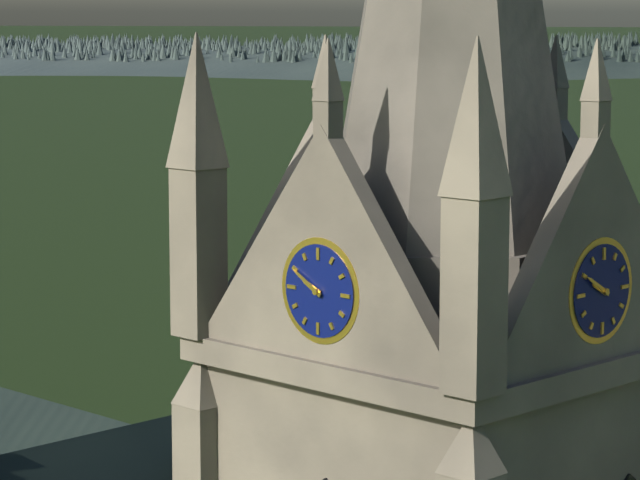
9:50
